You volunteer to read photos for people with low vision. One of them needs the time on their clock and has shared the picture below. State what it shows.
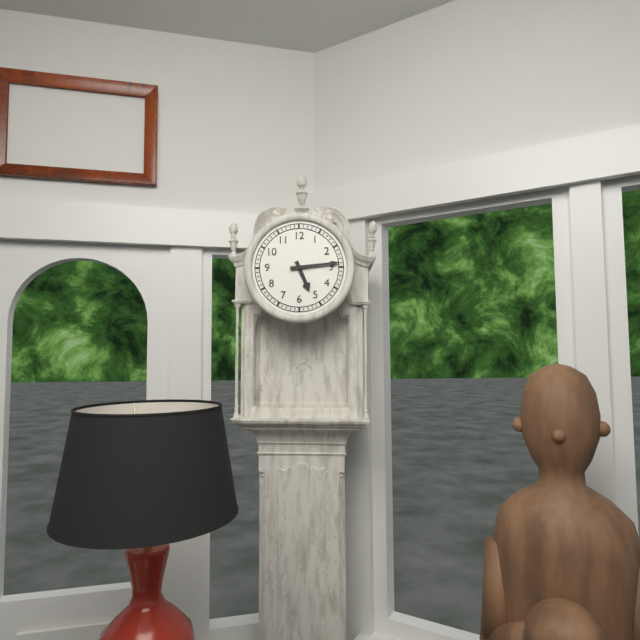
5:14
